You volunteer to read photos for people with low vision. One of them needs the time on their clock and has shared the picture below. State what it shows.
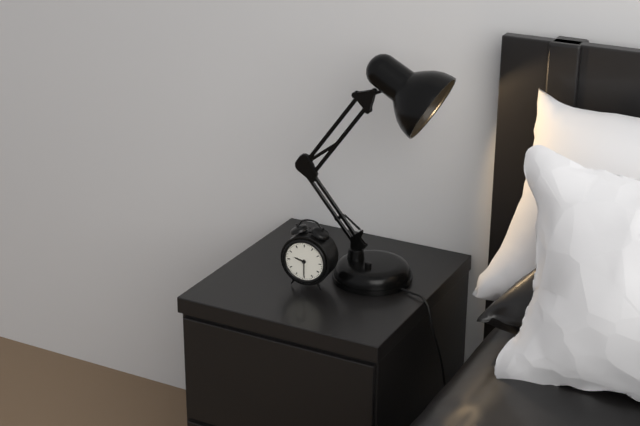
9:30
